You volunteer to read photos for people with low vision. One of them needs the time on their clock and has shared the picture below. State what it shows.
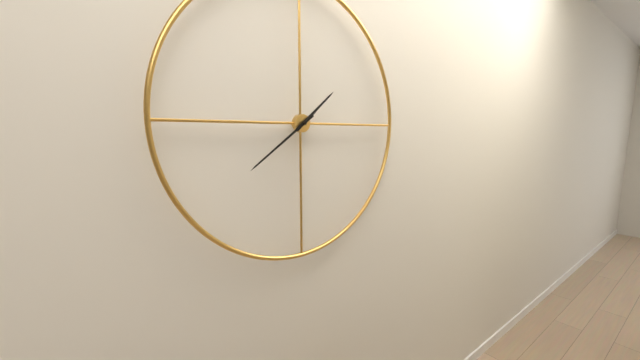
1:39
